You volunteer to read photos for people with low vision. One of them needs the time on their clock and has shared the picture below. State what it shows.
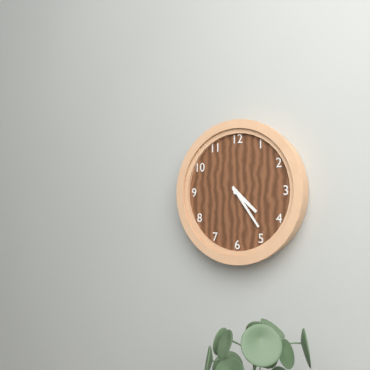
4:24
